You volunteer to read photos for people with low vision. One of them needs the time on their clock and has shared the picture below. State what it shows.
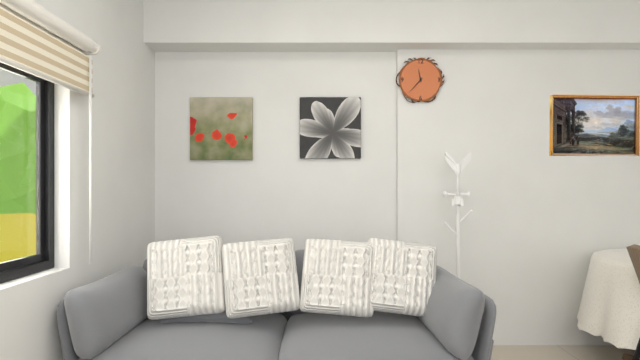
11:37
